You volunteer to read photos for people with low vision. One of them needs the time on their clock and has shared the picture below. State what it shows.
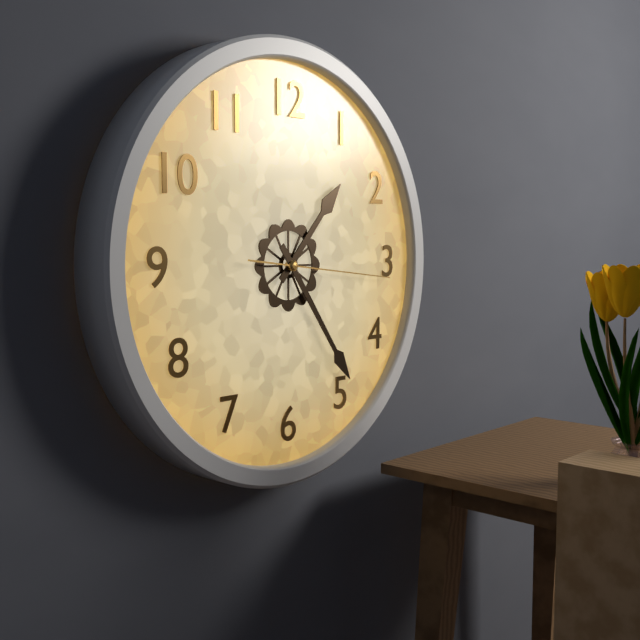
1:24:16
